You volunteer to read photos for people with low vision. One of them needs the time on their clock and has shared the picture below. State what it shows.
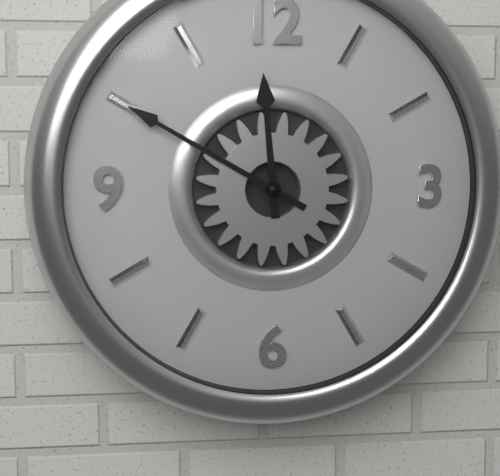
11:50
